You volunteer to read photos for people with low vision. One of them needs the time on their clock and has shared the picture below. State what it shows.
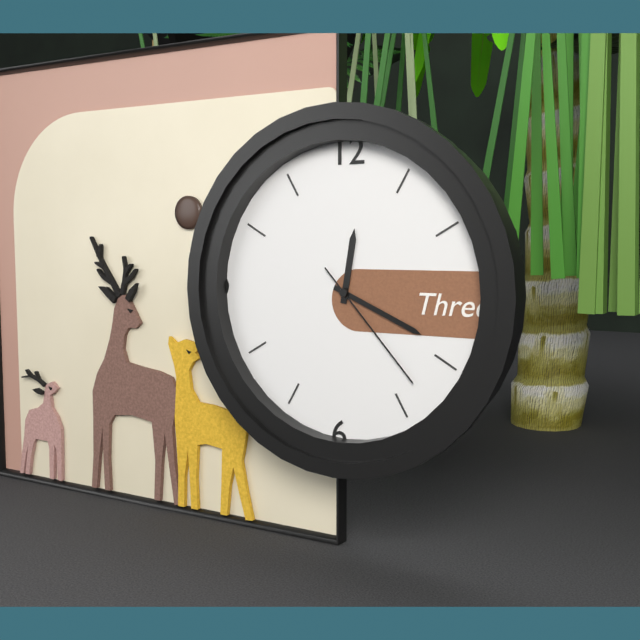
12:19:23
